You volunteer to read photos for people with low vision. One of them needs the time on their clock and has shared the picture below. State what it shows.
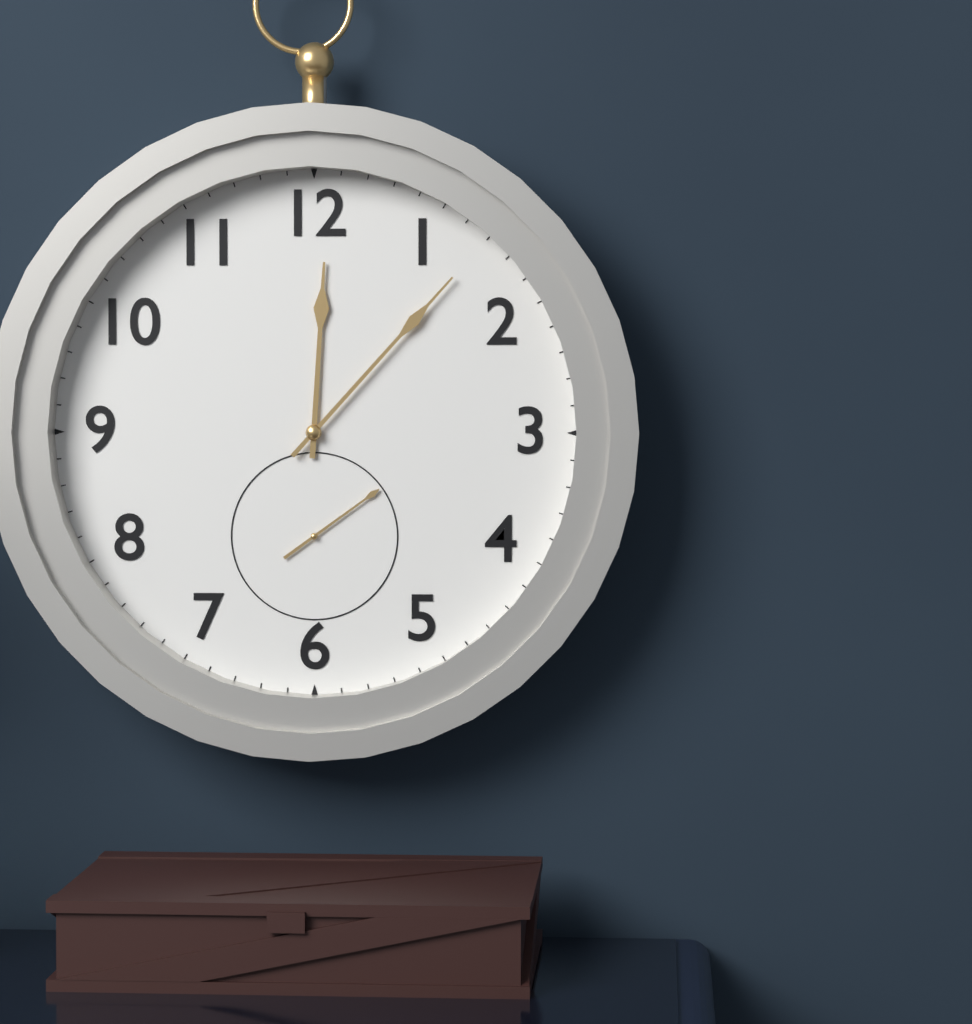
12:07:09
